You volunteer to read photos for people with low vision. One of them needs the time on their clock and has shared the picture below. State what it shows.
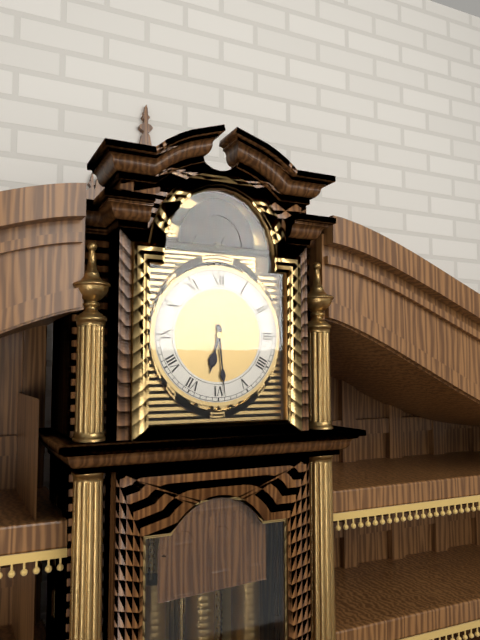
6:29
